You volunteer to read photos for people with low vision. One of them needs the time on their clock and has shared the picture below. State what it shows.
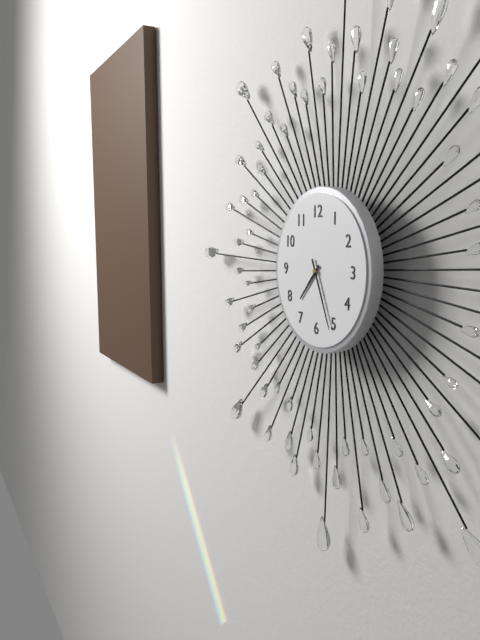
7:26
